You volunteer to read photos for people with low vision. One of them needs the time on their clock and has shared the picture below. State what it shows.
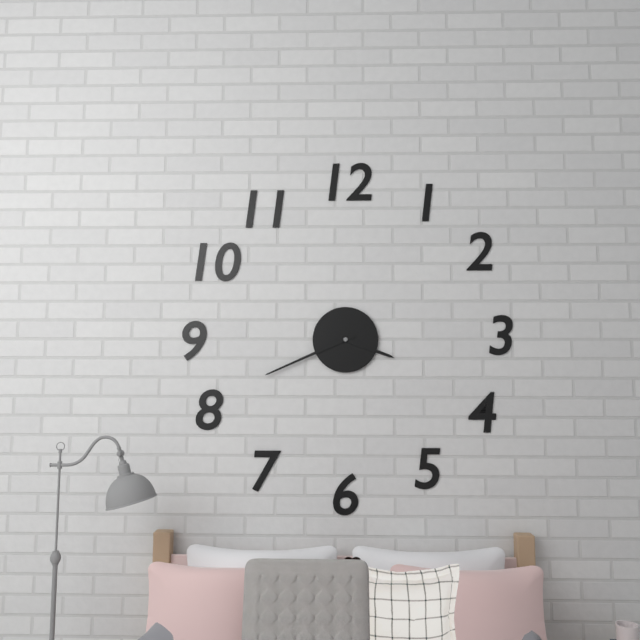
3:41
